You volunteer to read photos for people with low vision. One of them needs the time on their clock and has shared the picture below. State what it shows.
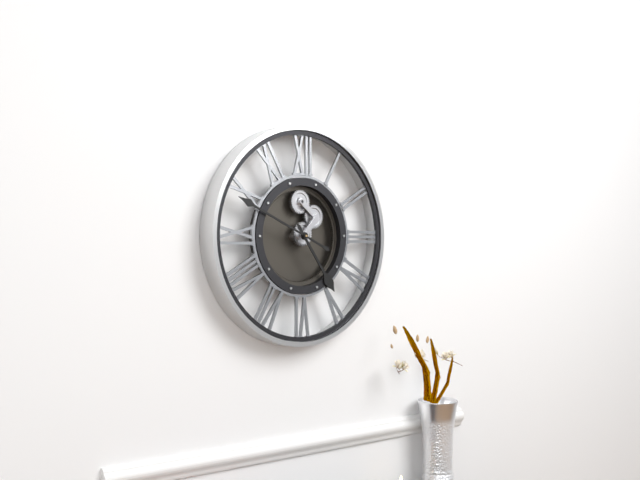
4:49
